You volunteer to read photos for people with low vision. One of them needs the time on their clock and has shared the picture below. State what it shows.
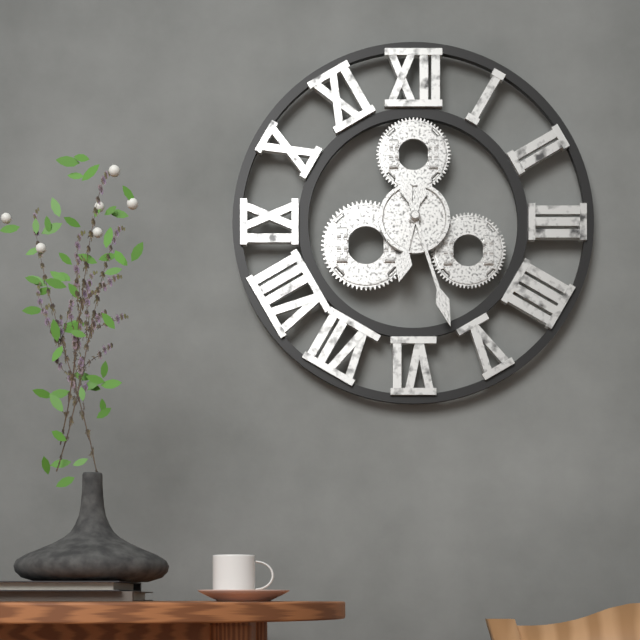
6:27
